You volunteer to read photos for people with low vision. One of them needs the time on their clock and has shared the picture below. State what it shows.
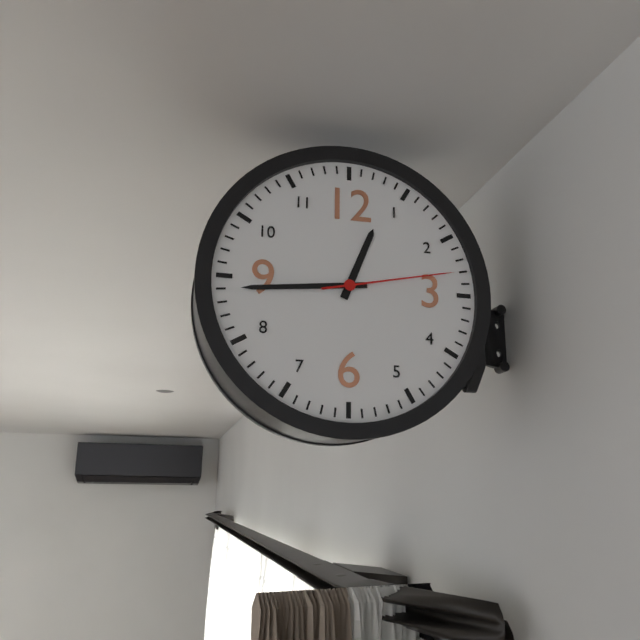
12:44:13
